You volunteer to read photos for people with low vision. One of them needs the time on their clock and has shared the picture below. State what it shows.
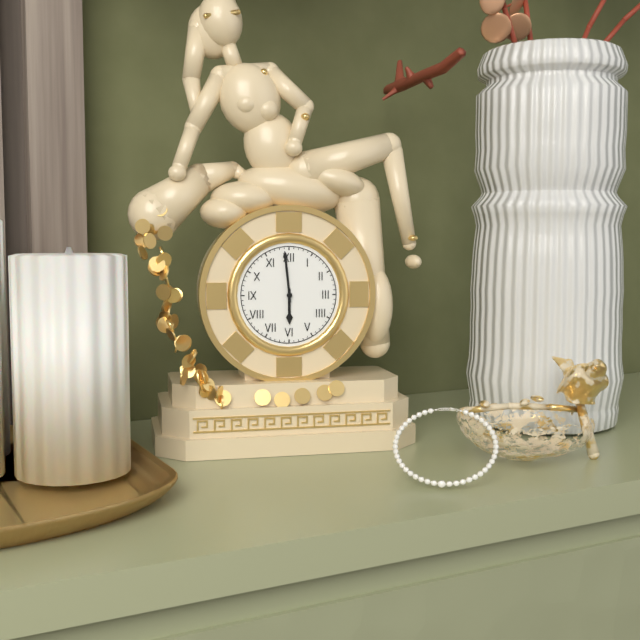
5:59
